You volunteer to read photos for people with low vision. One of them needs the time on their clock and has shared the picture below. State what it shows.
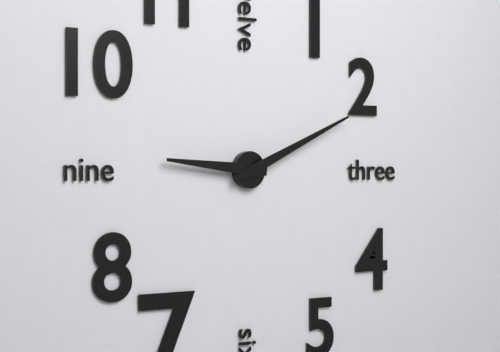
9:11
